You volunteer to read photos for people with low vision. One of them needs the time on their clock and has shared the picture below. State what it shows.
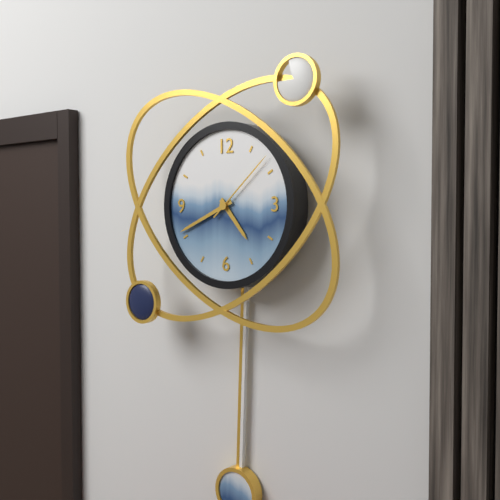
4:41:08
